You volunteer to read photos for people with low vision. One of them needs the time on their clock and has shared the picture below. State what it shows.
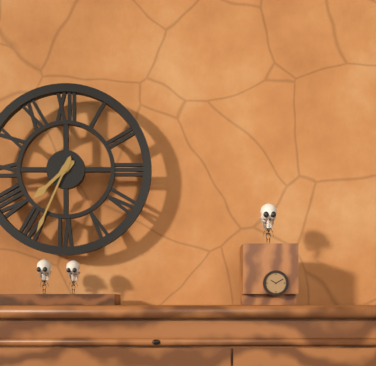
7:34
